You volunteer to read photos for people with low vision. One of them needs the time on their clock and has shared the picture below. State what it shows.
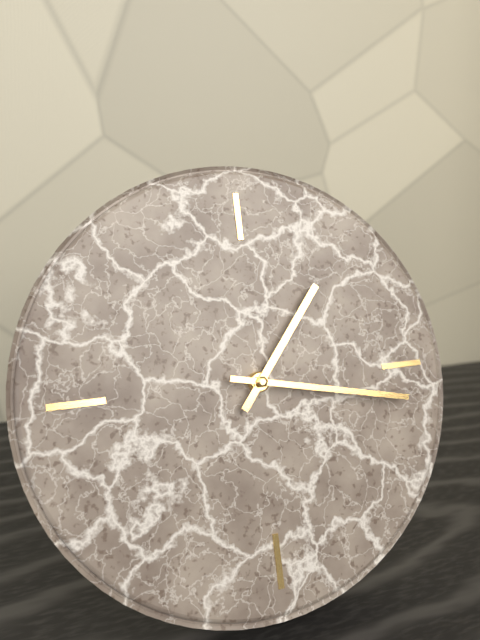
1:17
